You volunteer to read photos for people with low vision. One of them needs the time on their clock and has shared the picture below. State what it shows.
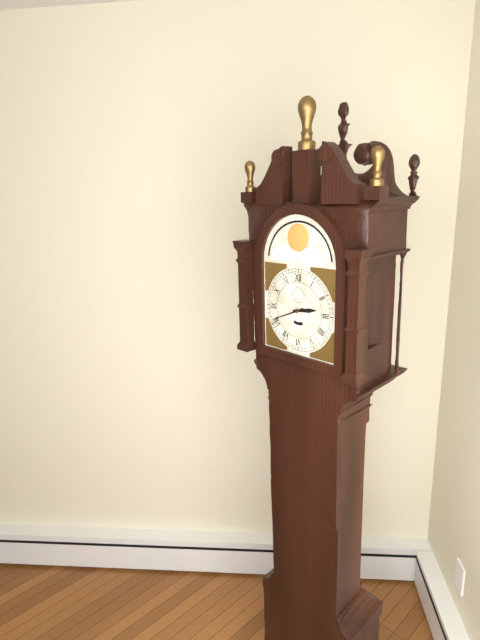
2:41
